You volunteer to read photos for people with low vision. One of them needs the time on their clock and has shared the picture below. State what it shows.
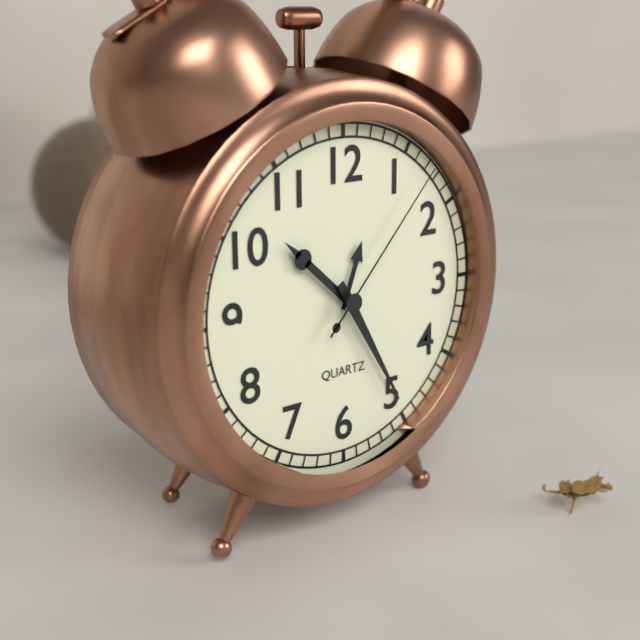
10:25:07
